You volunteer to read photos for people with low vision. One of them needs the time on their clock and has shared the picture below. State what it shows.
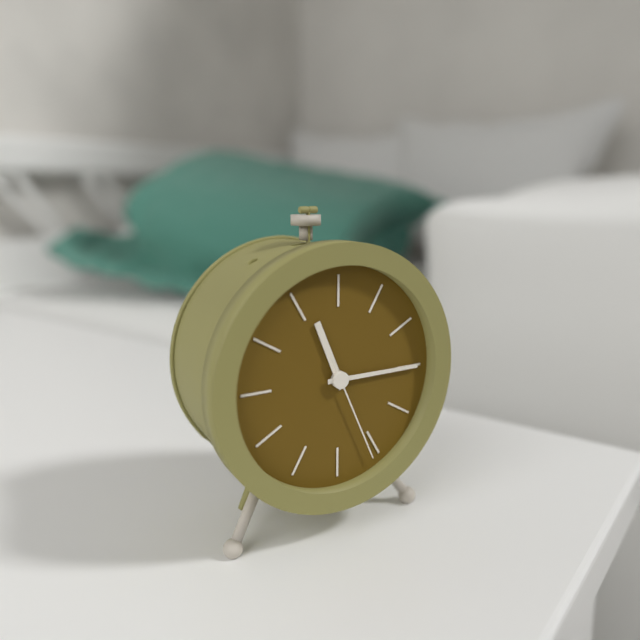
11:15:26
